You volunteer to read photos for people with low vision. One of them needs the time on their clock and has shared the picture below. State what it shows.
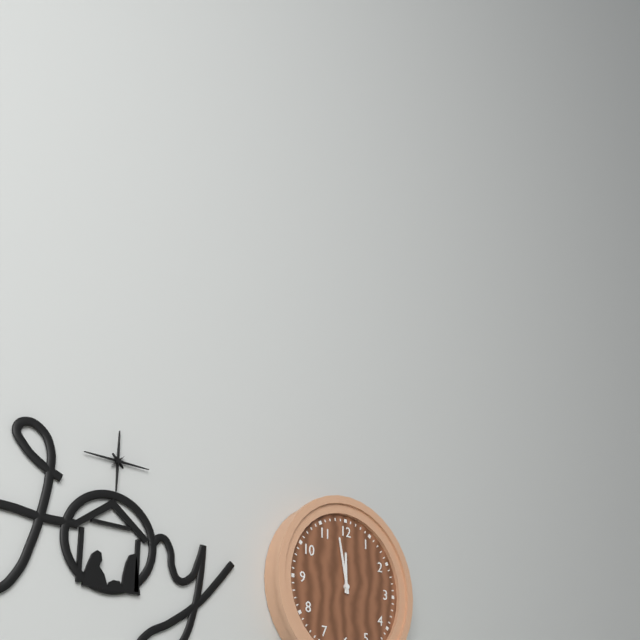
11:58
